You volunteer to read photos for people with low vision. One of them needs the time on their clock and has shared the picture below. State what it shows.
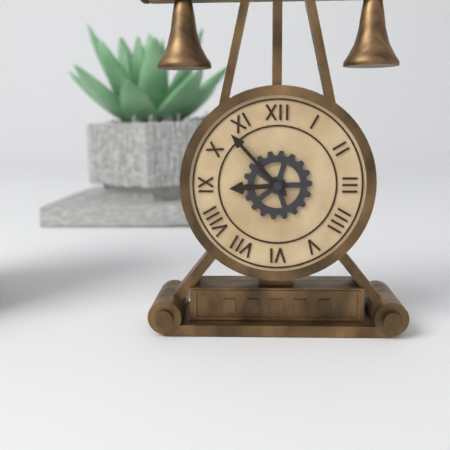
8:53
